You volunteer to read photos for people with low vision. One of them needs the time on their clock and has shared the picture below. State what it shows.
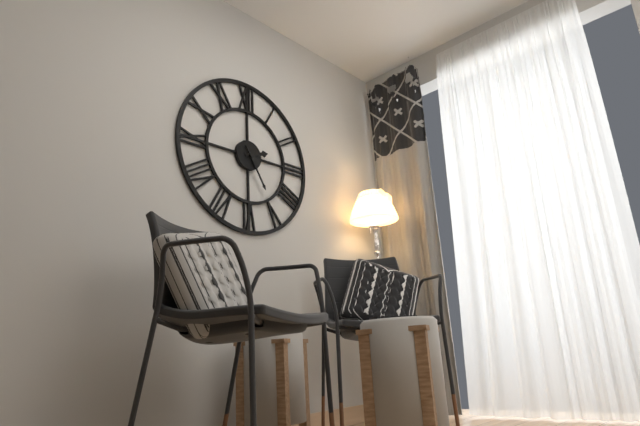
2:25
